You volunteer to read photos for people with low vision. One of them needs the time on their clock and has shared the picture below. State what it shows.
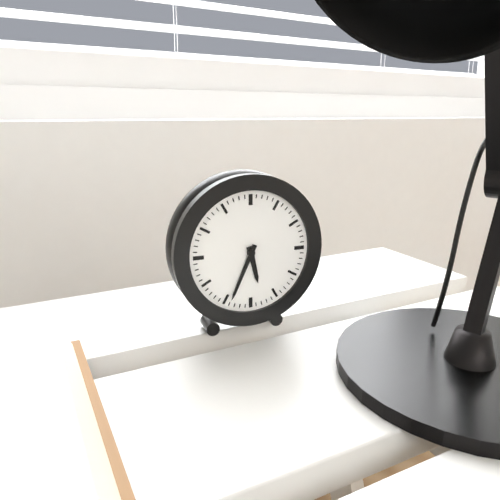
5:34
